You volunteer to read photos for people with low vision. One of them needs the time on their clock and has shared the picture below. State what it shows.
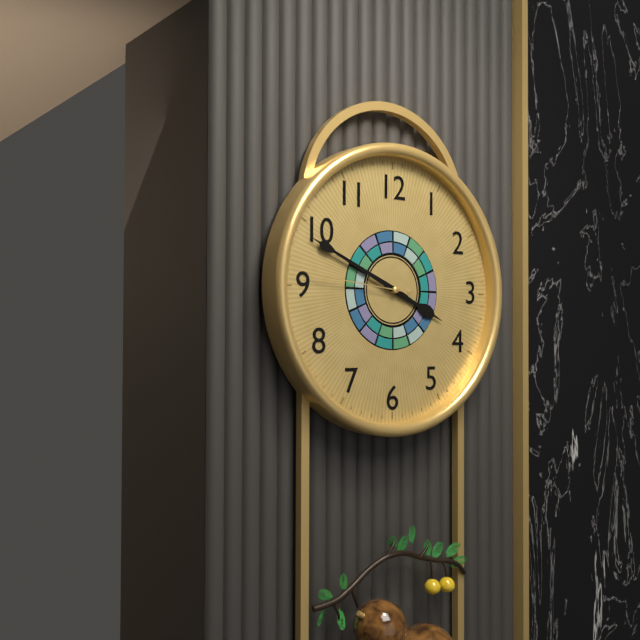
3:49:46
